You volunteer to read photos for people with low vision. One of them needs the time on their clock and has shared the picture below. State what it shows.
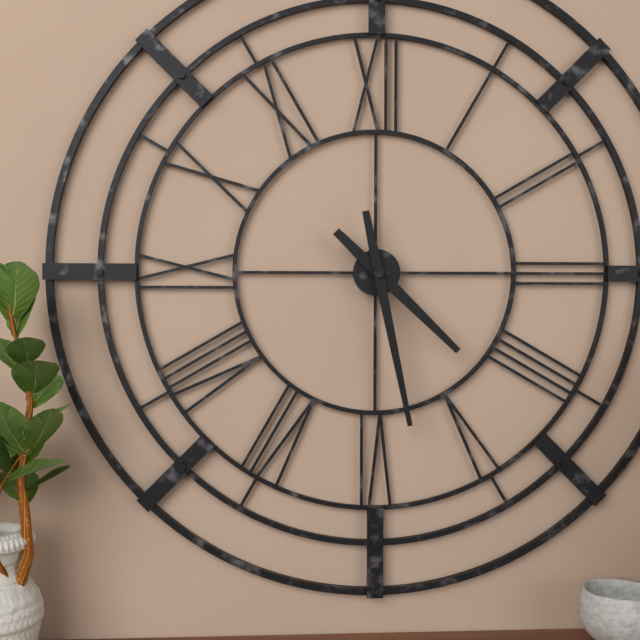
4:28
